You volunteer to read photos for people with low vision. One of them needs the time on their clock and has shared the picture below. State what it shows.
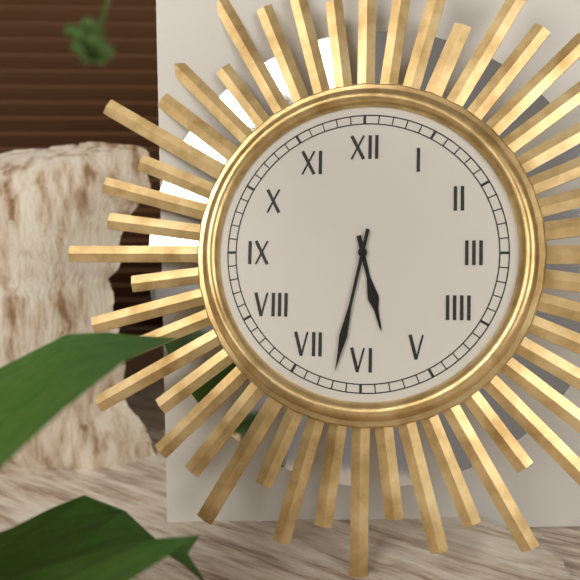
5:32
